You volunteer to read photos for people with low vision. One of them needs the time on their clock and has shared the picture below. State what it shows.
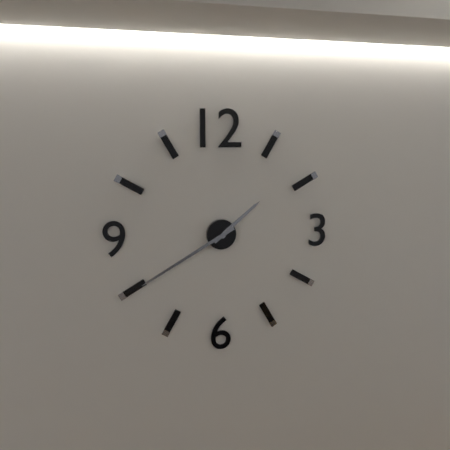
1:40
